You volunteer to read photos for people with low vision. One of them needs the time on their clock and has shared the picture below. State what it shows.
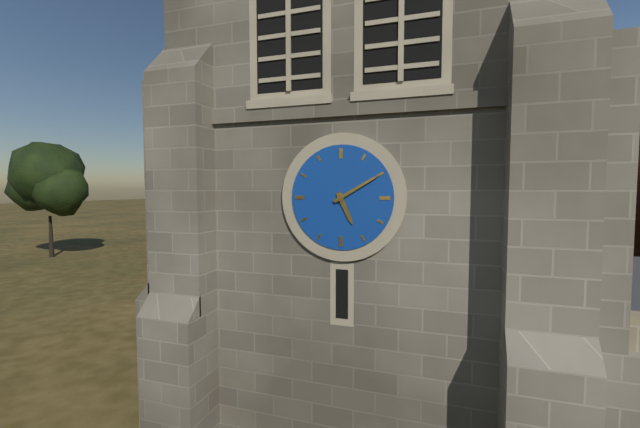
5:10
